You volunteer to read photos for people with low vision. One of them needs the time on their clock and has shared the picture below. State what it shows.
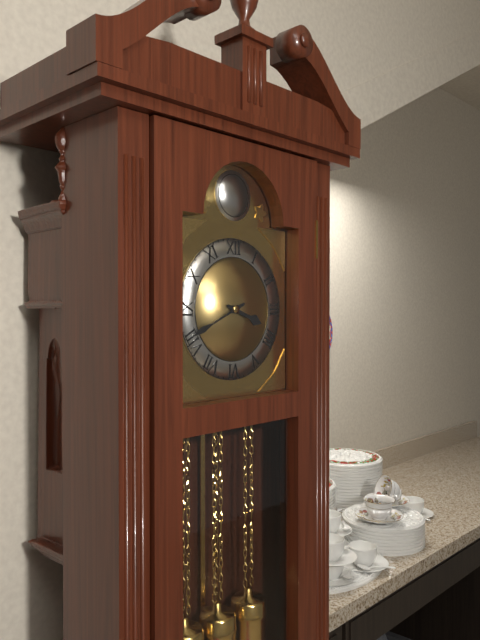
3:41
